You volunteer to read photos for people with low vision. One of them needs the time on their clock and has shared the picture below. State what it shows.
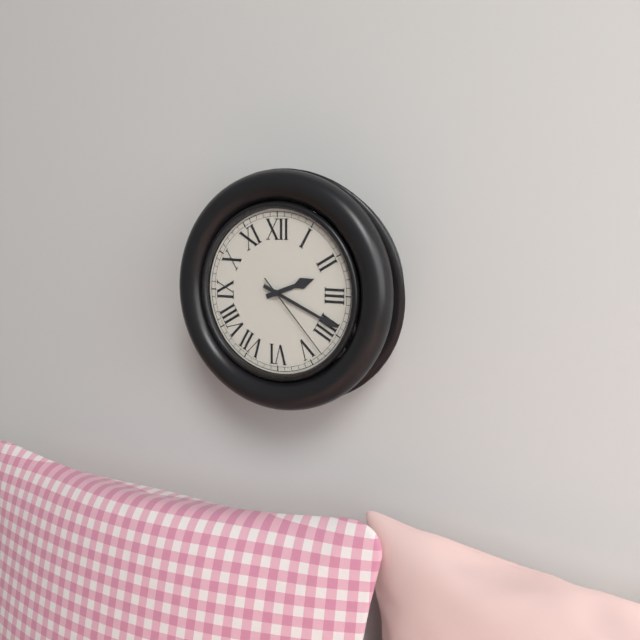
2:19:23
